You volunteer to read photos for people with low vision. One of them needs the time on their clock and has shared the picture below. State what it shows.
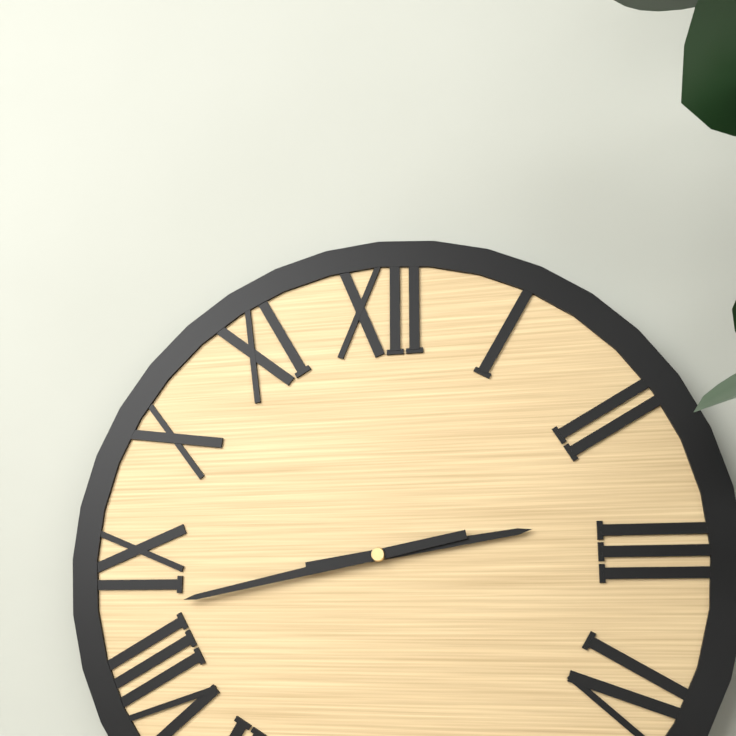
2:43
